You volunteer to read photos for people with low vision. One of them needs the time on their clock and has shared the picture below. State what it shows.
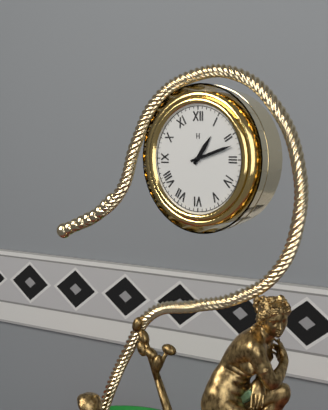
1:12
